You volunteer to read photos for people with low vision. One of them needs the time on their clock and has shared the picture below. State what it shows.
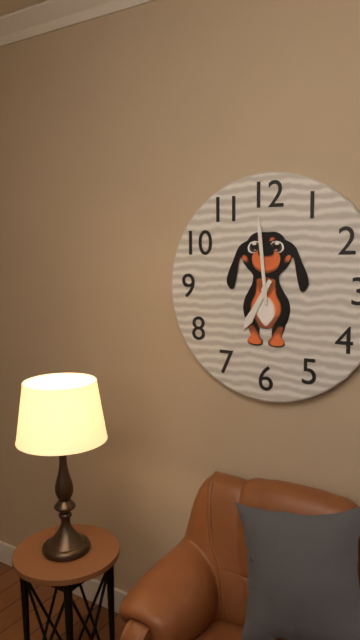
6:59
